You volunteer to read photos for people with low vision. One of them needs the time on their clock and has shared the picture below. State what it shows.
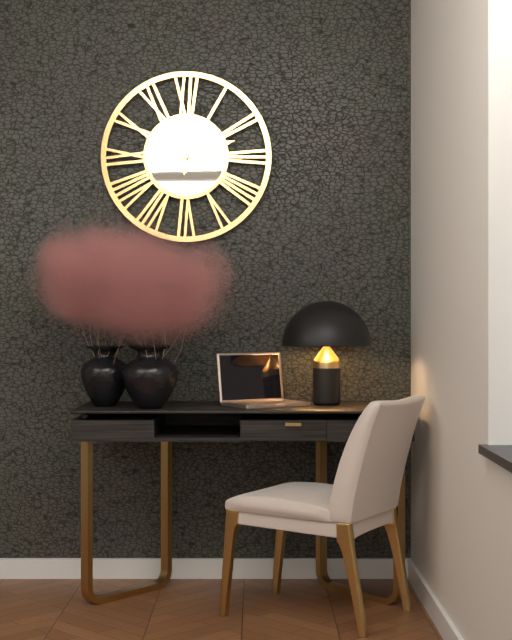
12:12
